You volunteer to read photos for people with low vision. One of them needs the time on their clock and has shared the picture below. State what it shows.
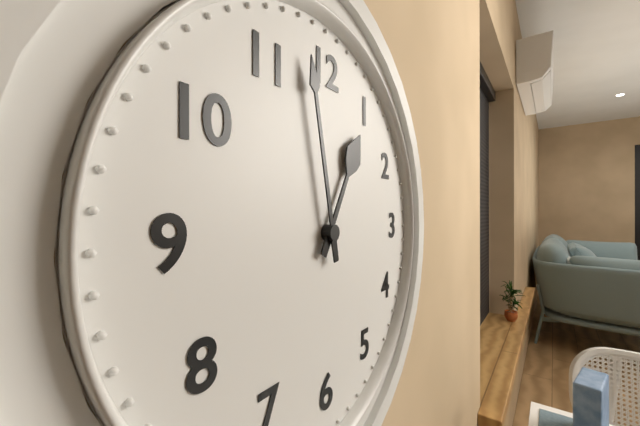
12:58
